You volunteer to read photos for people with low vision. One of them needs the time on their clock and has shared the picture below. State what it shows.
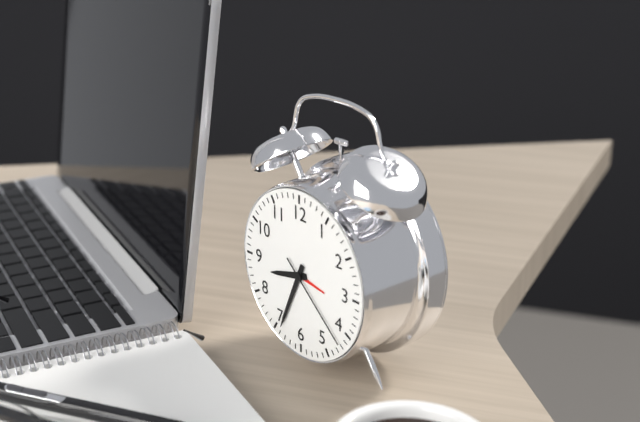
8:34:22
